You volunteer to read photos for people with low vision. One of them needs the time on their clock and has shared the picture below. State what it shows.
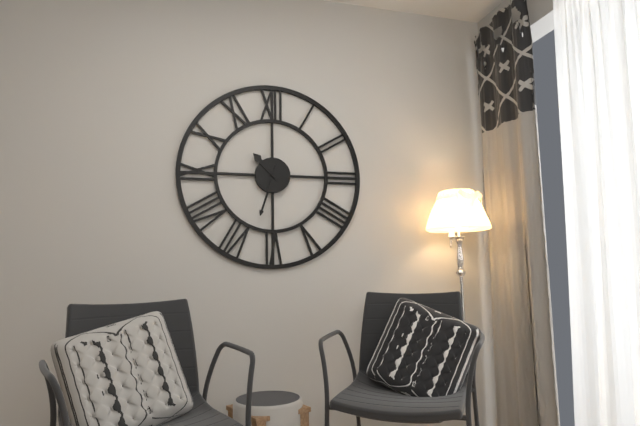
10:33
